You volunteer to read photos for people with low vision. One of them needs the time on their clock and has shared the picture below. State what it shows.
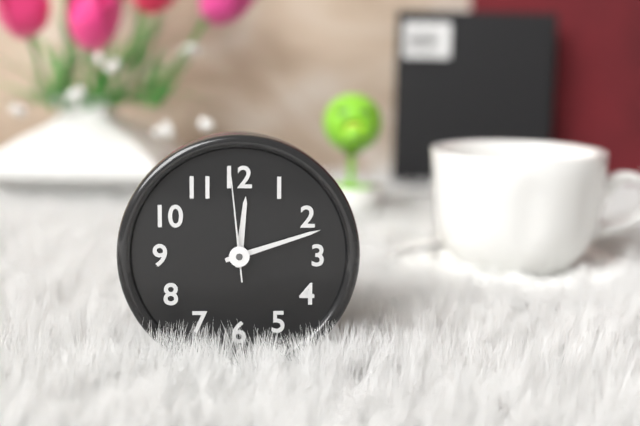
12:12:59
